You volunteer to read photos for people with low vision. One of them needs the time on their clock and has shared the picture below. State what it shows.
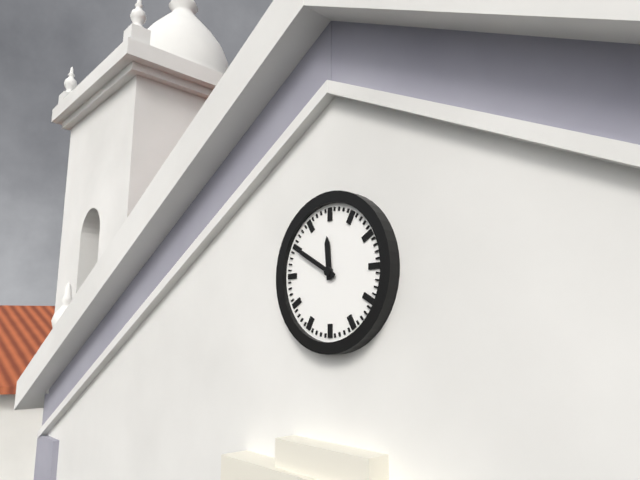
11:50
